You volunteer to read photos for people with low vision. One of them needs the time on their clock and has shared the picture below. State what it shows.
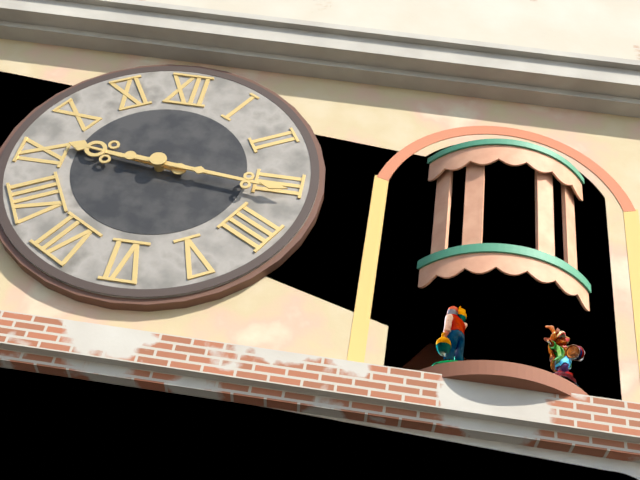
9:16
